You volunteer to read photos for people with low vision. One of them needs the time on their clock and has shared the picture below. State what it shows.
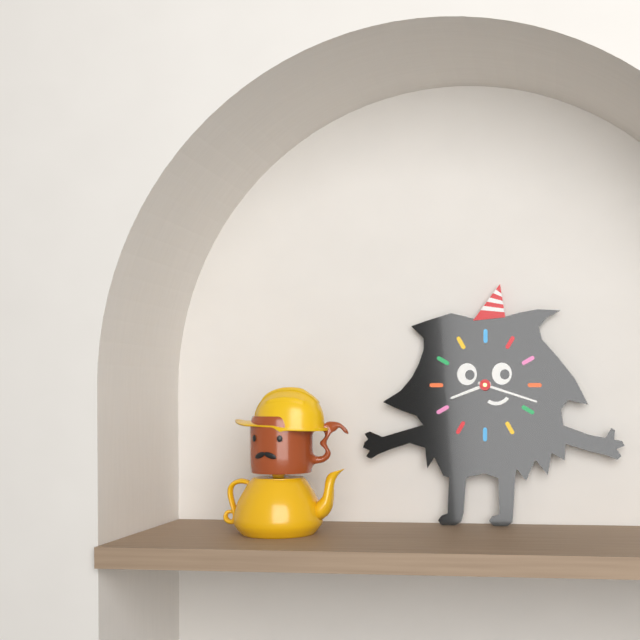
8:18
